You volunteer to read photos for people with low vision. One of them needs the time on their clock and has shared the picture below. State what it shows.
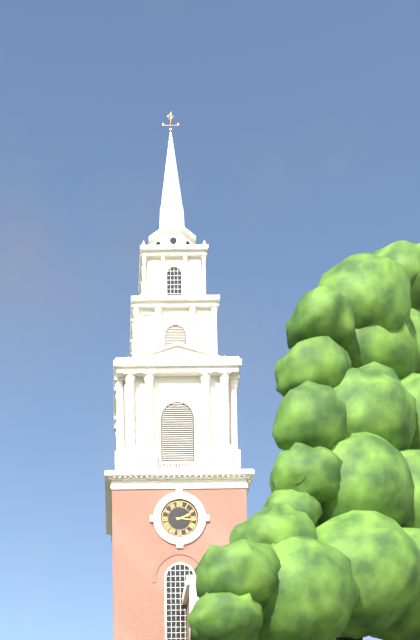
2:16
